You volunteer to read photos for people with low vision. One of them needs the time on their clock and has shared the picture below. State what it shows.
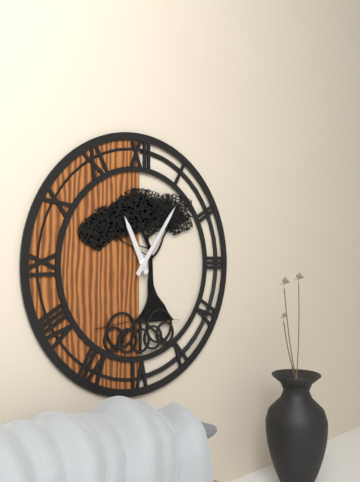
11:06
